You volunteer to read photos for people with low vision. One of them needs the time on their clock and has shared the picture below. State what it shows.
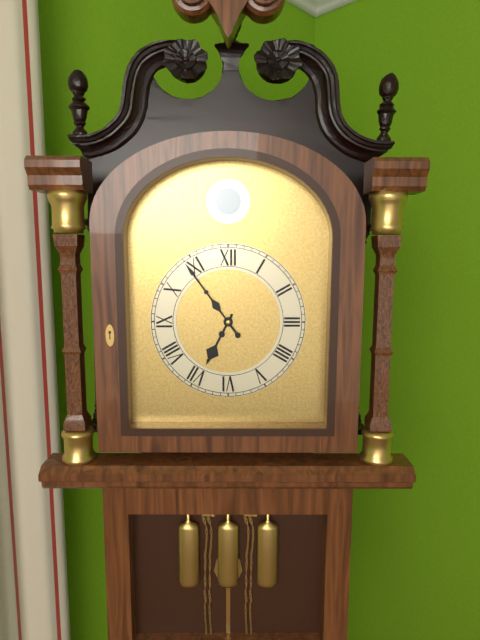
6:54
